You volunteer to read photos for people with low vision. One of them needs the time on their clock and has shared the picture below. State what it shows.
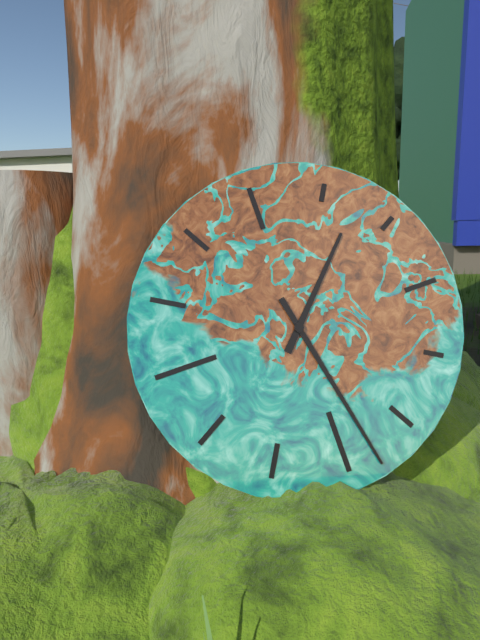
1:28
